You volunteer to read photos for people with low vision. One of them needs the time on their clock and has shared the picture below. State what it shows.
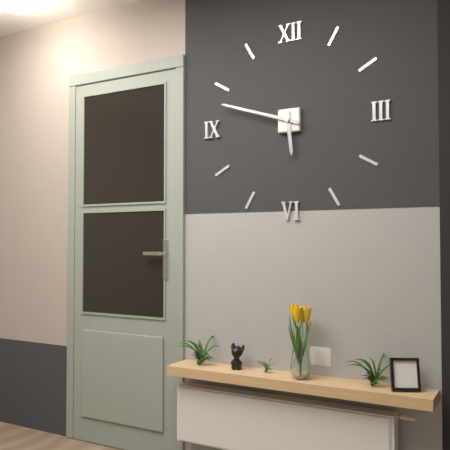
5:48
